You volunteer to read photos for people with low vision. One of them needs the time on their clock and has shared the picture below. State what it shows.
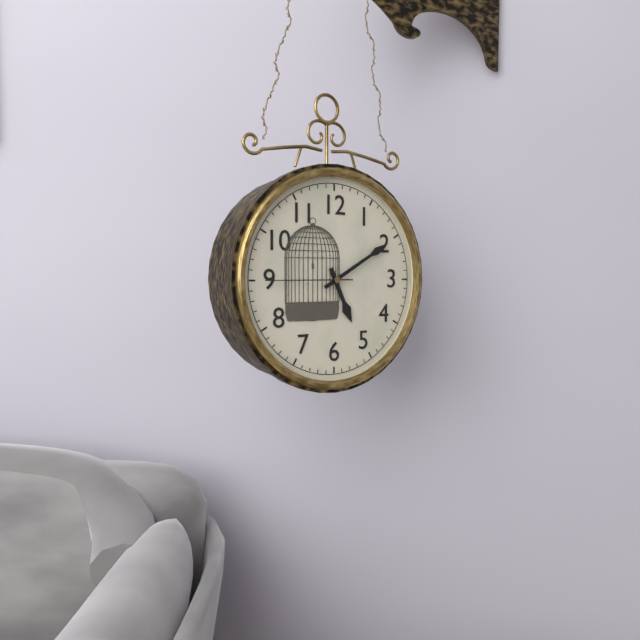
5:10:45
